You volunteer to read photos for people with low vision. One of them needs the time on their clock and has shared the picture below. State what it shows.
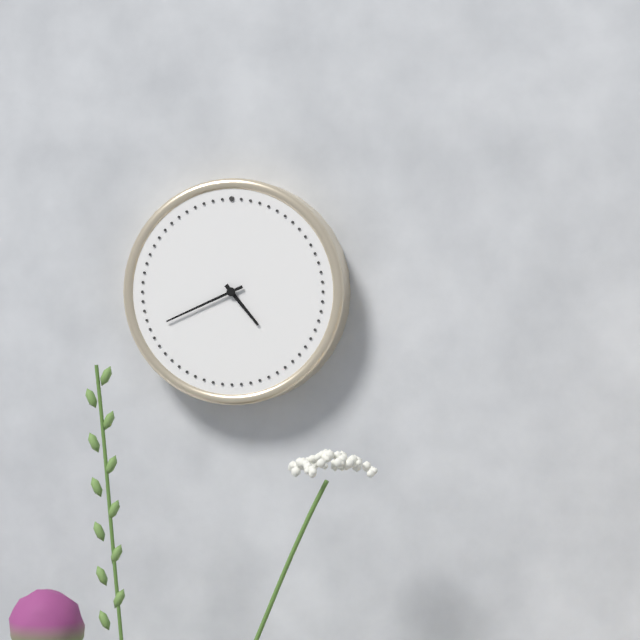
4:41
